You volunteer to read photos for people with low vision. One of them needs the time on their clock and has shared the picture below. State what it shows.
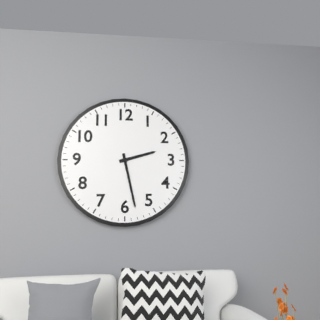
2:28
